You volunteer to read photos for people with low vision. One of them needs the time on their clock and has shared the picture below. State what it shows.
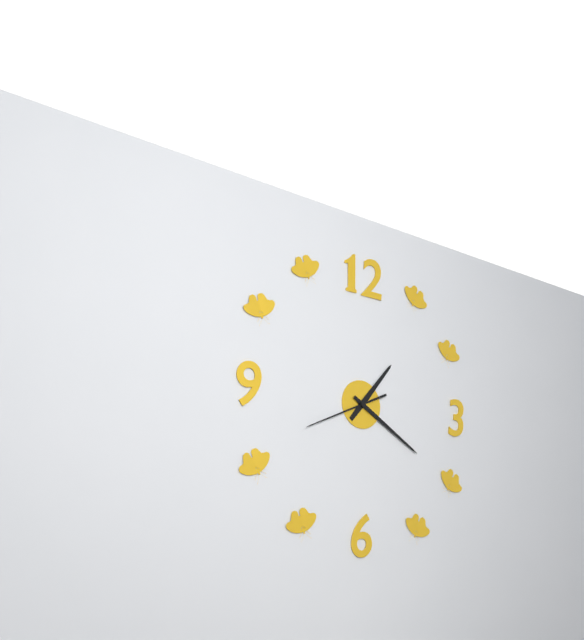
1:20:41
